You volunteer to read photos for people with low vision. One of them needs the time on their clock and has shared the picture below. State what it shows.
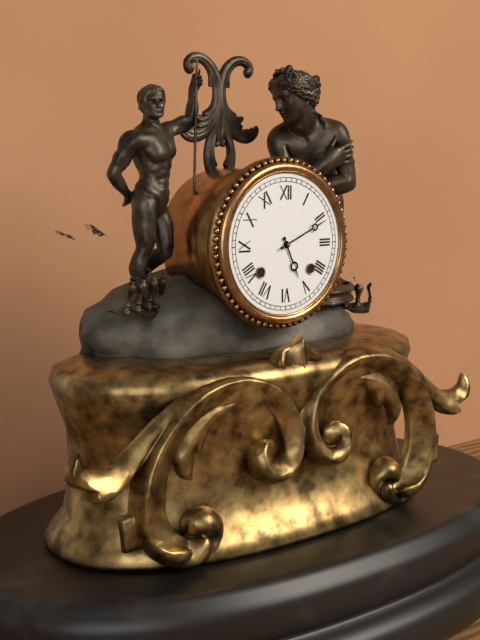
5:11
